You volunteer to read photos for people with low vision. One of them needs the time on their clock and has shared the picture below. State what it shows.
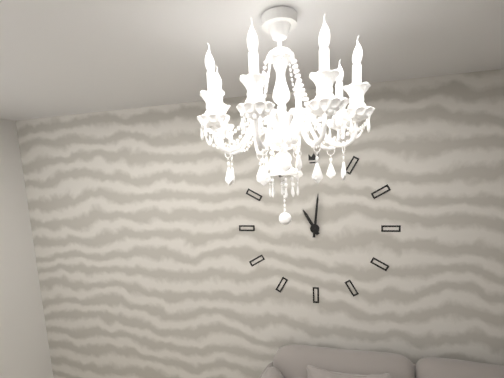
11:01
